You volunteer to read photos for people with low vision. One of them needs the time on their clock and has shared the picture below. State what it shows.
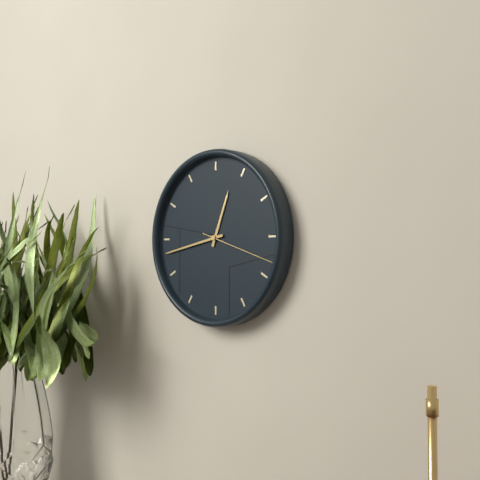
12:43:18
